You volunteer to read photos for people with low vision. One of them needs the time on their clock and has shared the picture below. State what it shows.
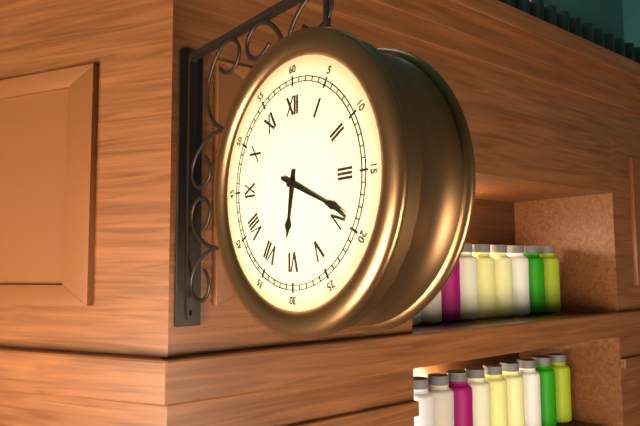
6:19
